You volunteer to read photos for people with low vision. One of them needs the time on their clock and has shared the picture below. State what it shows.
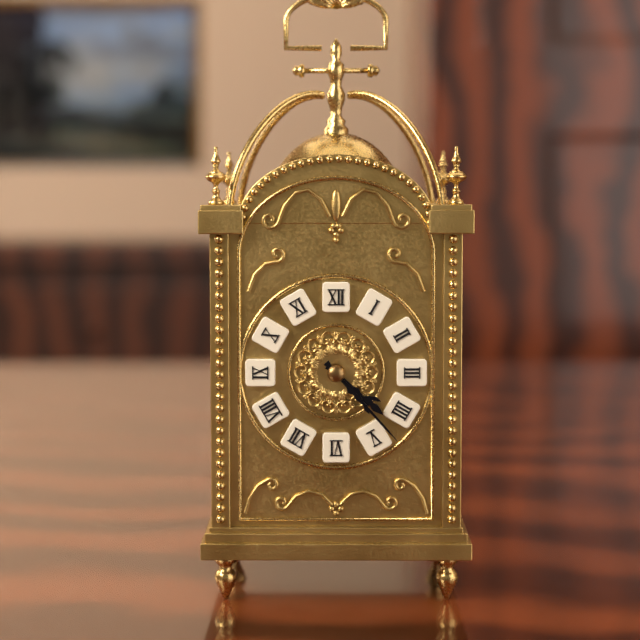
4:23
